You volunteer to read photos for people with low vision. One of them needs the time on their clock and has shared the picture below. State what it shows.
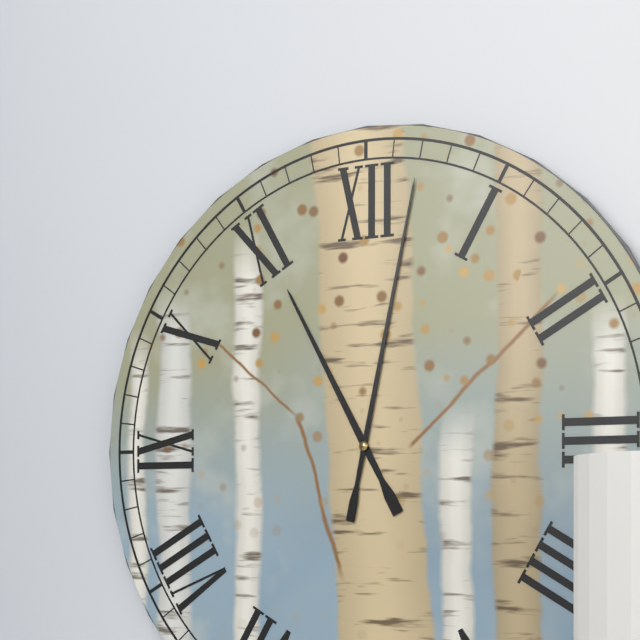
11:02
